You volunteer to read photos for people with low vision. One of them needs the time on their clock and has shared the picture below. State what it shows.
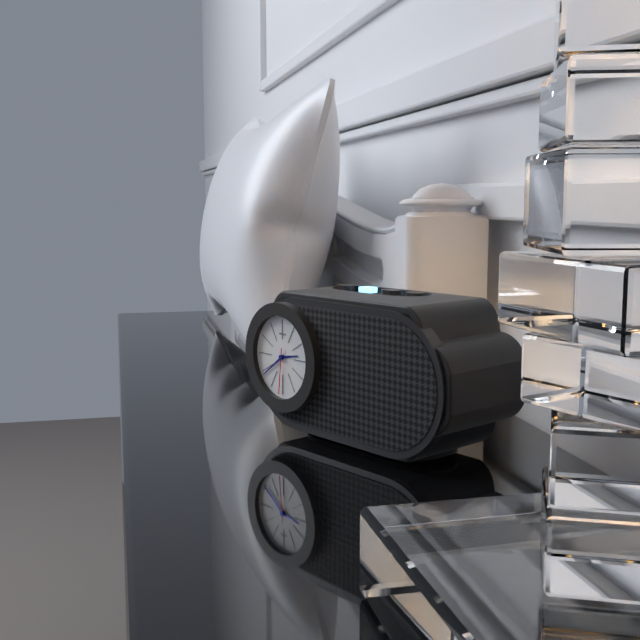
2:39:31
